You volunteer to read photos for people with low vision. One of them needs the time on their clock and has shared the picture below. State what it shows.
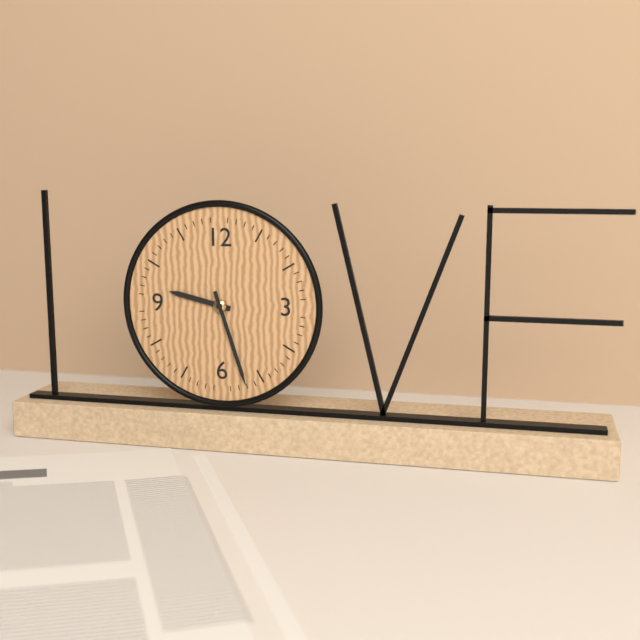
9:27
